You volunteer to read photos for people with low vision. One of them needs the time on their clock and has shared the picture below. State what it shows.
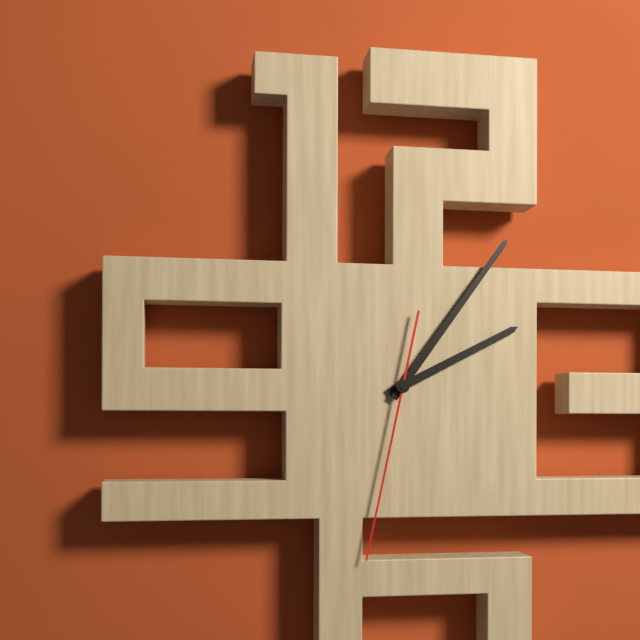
2:06:32
